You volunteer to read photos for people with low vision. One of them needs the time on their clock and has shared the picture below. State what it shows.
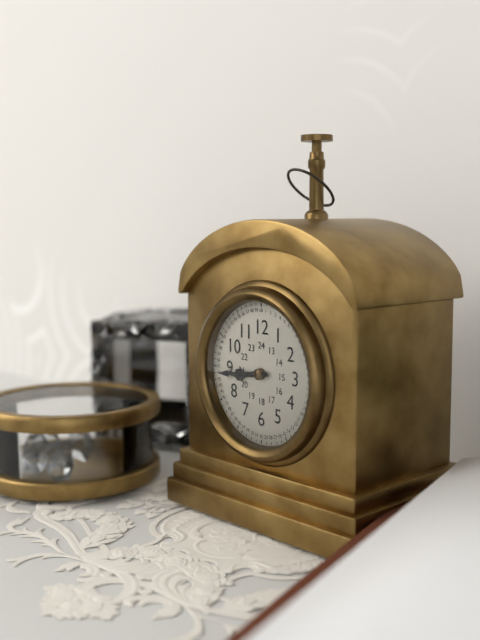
8:44
